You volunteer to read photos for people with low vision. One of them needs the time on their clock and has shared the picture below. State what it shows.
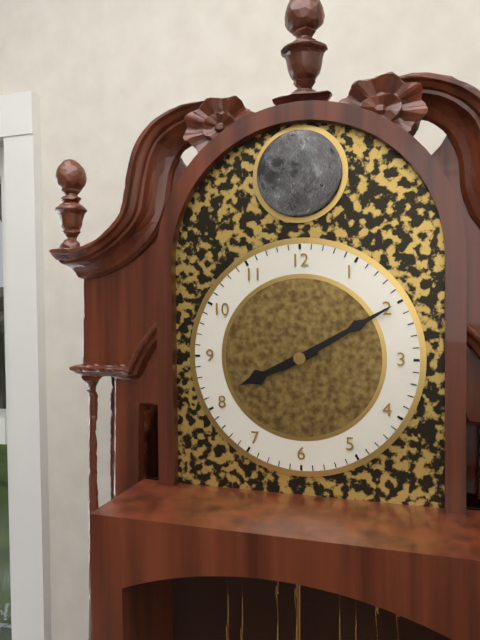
8:10
